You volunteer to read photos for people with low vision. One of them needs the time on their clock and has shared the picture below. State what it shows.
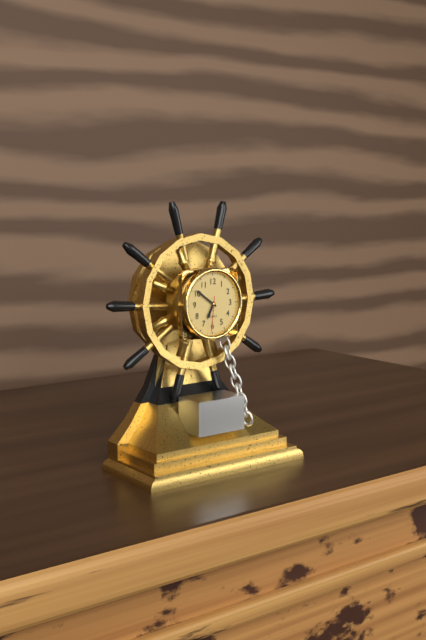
6:51
